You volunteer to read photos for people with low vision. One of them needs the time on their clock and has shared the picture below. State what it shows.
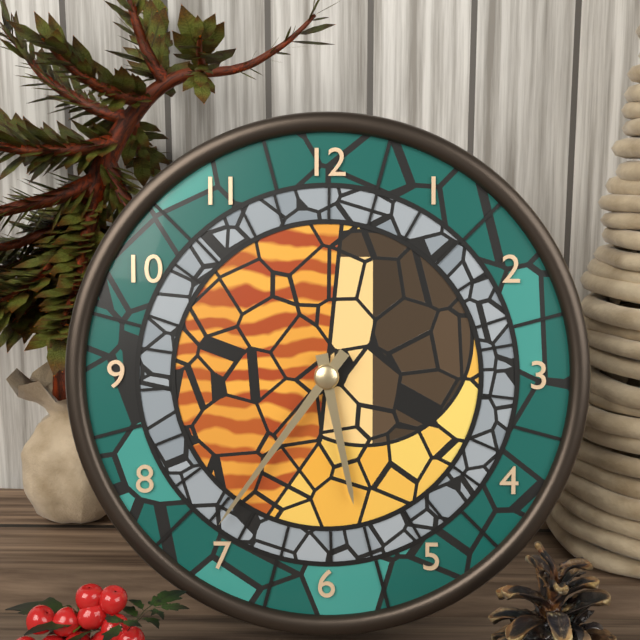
5:36
